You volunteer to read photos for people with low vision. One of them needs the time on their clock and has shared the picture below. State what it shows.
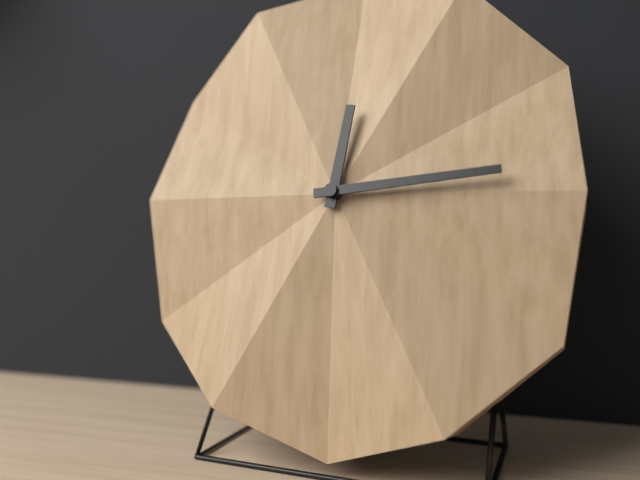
12:14
